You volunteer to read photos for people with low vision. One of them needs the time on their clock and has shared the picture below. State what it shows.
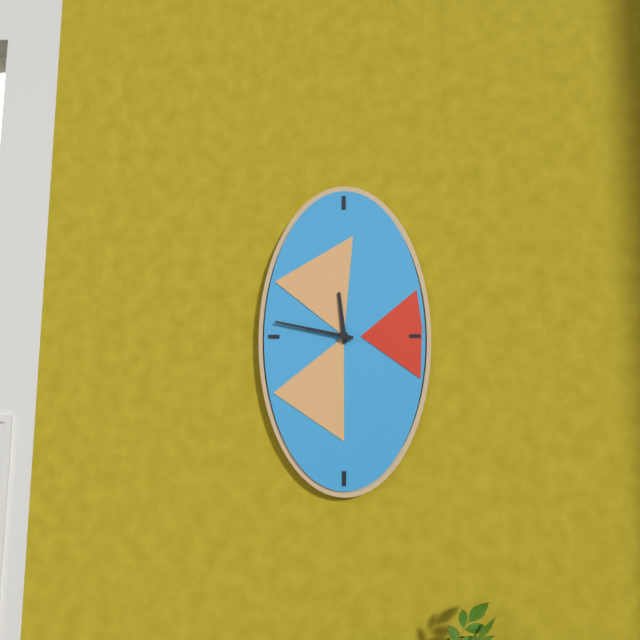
11:47
